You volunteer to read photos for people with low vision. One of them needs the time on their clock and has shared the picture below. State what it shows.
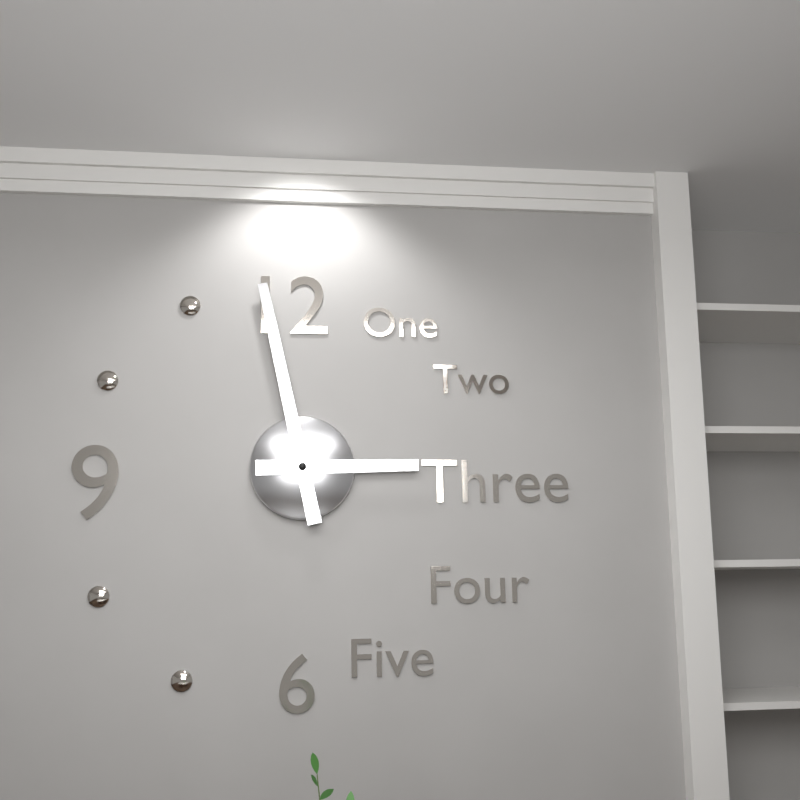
2:58
